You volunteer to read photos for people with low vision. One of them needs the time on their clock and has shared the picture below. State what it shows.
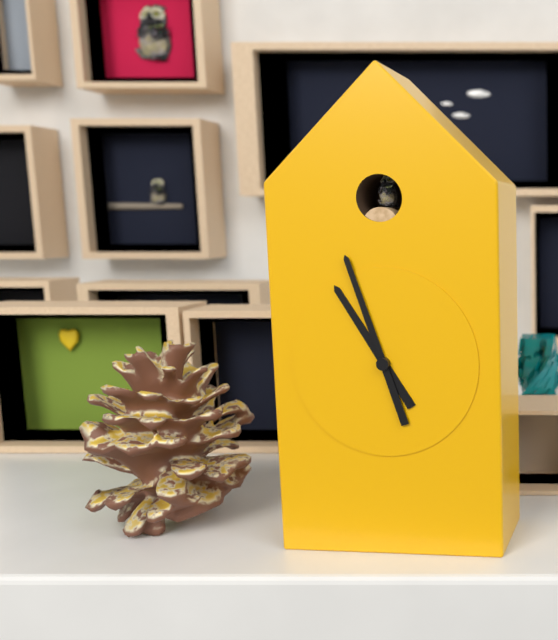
10:57
